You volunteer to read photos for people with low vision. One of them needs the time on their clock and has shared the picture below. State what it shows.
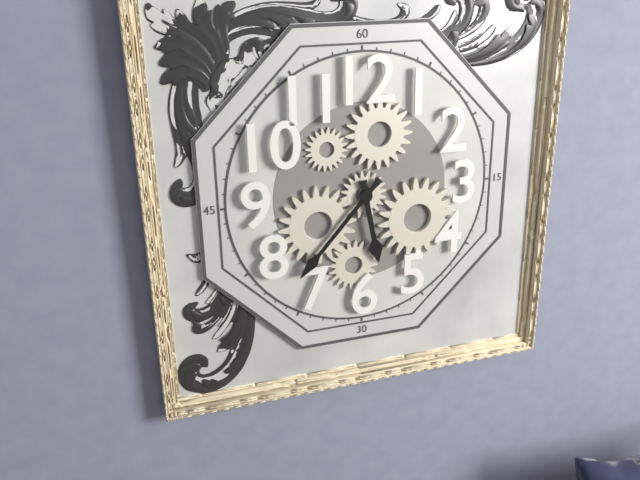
5:37
